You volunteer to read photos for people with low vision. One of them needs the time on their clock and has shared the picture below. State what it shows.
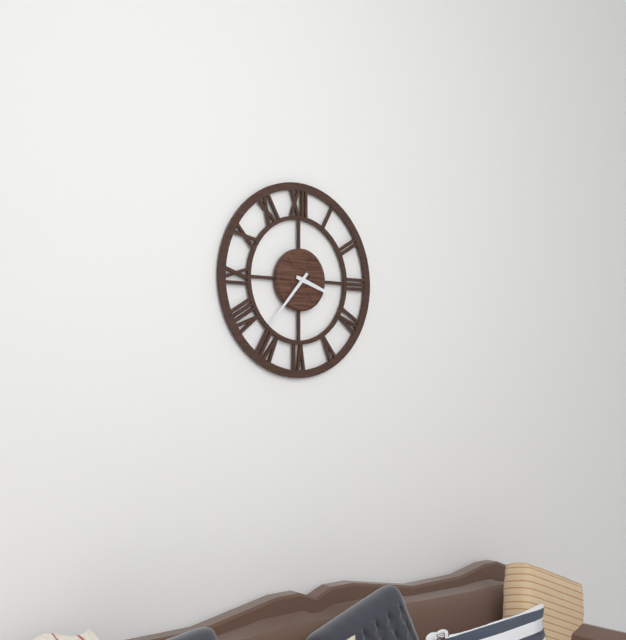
3:37
